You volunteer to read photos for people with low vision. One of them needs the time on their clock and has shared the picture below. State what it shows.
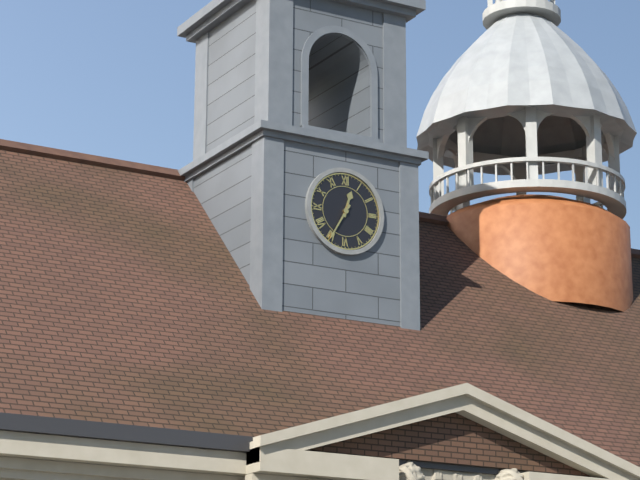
12:35
